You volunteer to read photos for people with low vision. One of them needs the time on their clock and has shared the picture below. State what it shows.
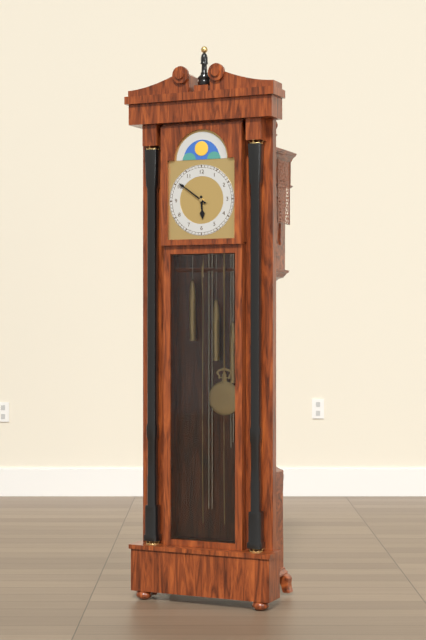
5:51
